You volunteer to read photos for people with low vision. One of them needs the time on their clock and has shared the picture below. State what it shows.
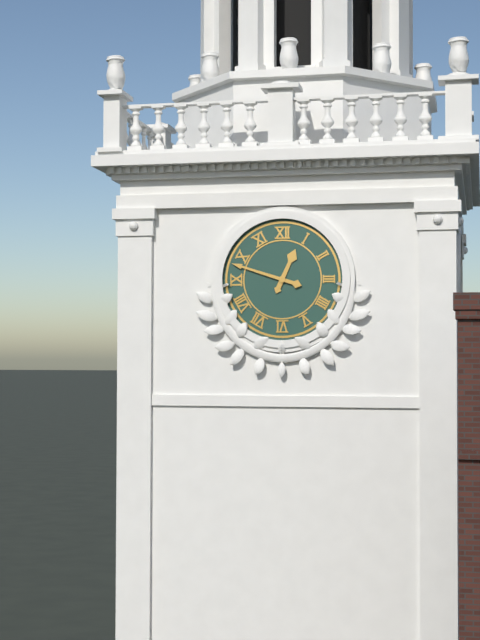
12:48
